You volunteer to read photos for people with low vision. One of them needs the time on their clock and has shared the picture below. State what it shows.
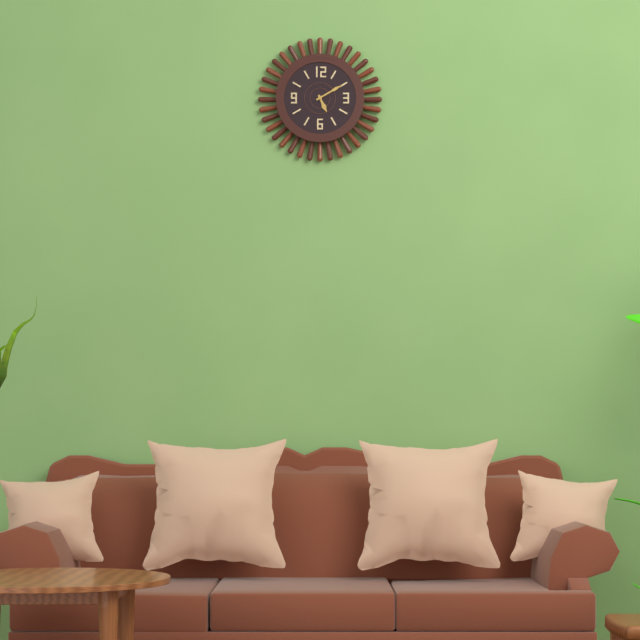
5:10
